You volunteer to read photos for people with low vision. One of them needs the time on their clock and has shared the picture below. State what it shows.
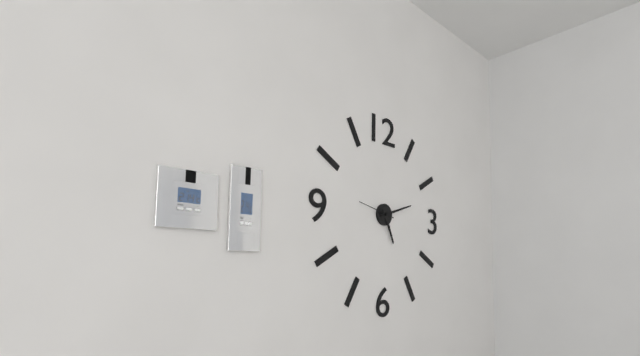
5:12
